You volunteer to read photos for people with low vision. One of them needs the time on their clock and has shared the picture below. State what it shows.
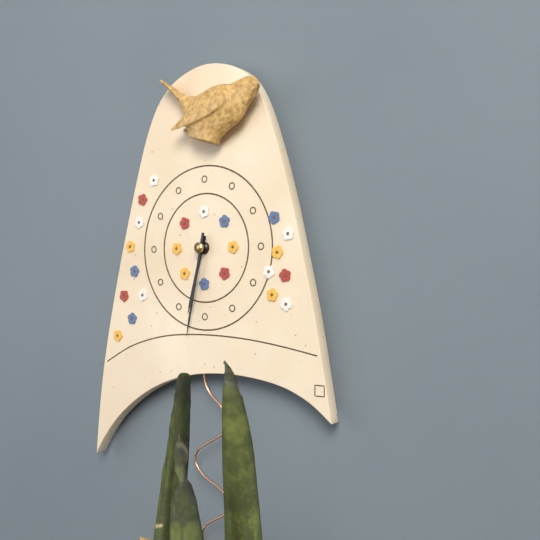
6:32
